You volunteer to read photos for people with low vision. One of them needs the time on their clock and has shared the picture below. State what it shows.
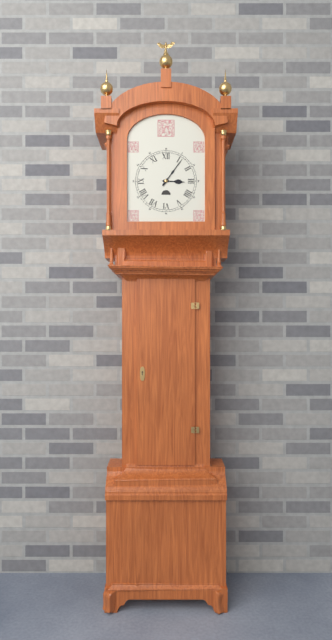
3:06
